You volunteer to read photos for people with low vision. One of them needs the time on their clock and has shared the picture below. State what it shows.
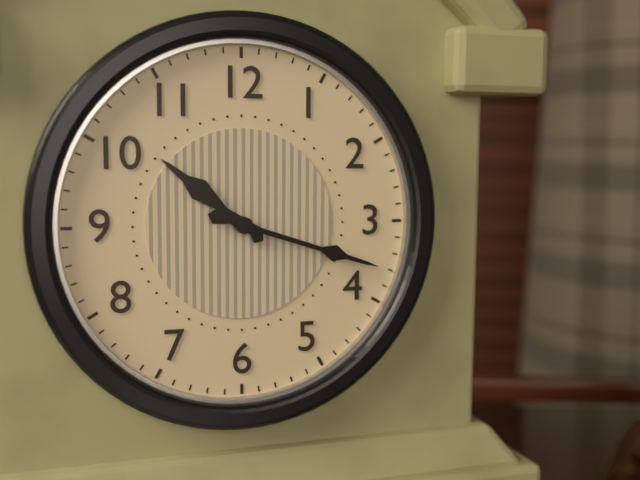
10:18
